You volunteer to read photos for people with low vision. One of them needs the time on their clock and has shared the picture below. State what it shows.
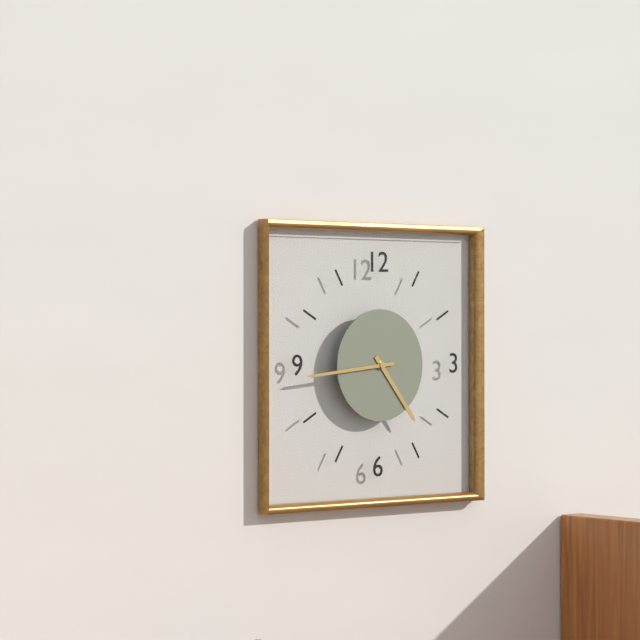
4:44
